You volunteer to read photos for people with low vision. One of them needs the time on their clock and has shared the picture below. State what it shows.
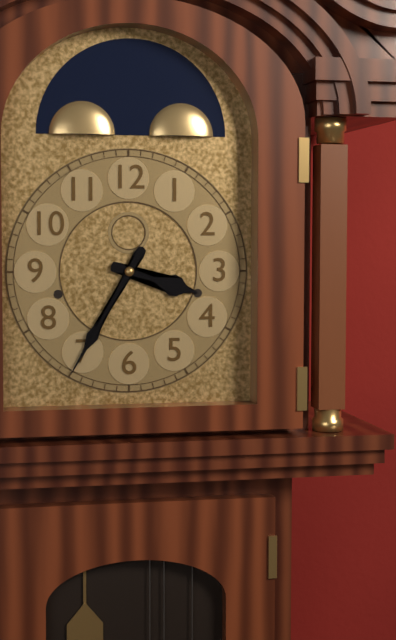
3:35
